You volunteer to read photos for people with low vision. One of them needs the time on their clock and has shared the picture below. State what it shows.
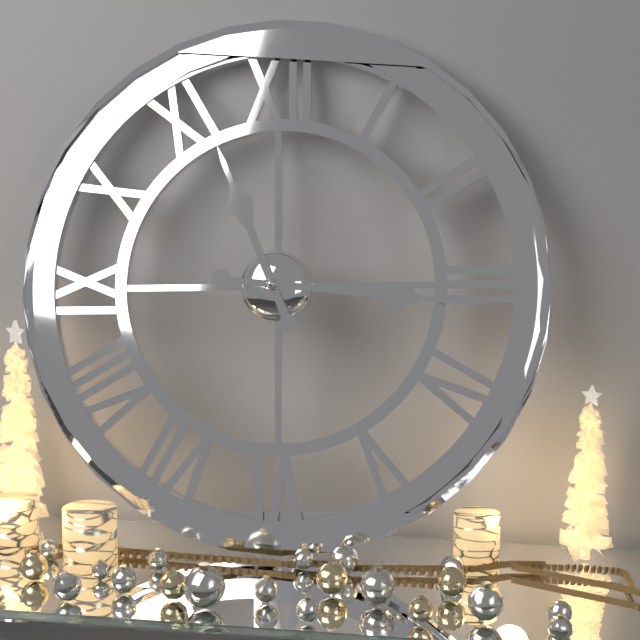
11:16
